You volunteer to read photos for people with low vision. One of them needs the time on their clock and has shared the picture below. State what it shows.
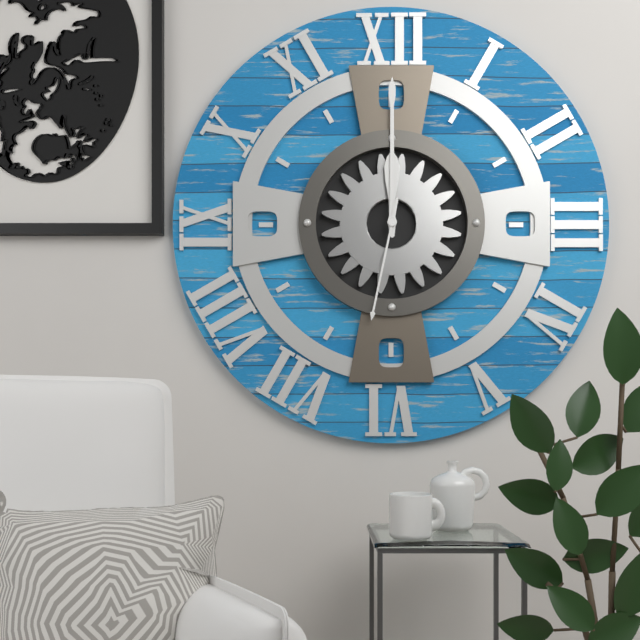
12:00:32
